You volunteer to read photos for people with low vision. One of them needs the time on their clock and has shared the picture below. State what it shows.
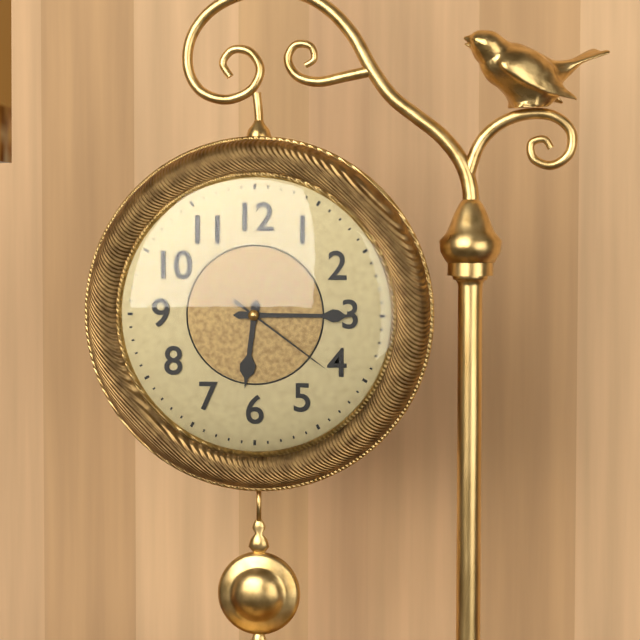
6:15:21
